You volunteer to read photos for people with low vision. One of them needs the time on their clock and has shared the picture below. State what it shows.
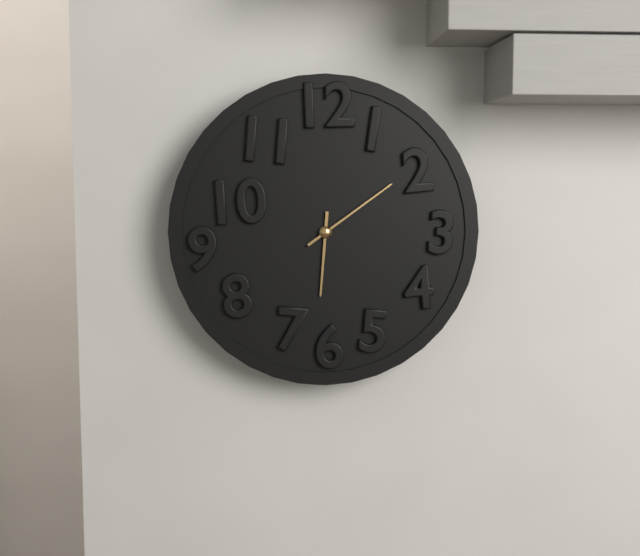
6:09
